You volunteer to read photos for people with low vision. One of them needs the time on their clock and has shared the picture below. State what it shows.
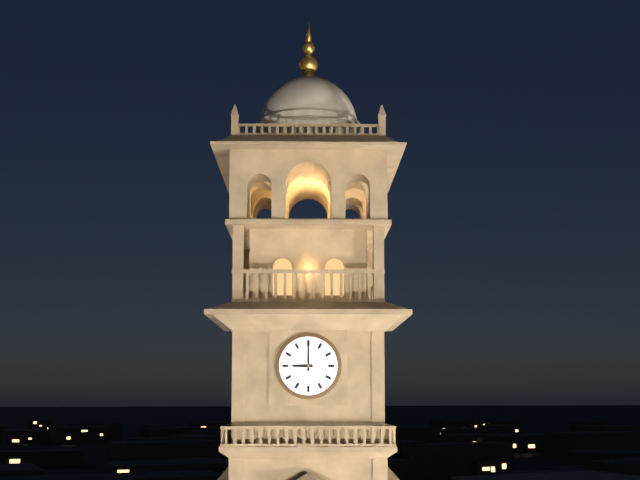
9:00
